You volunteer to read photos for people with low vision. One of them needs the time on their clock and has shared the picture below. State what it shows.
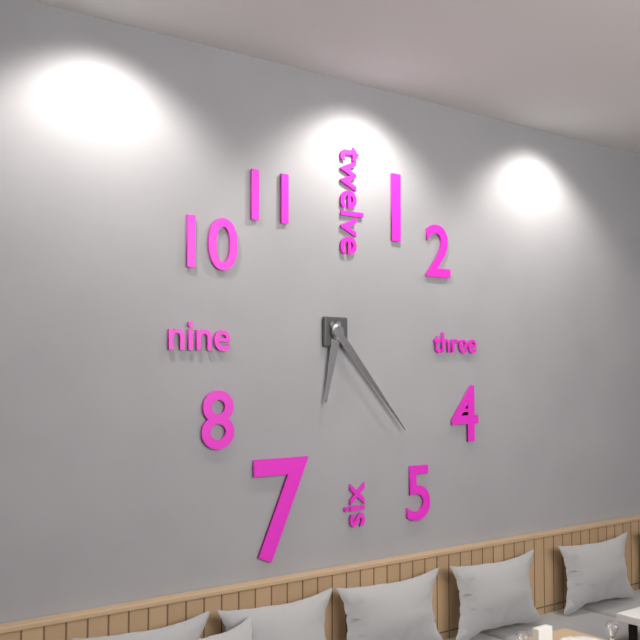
6:23
